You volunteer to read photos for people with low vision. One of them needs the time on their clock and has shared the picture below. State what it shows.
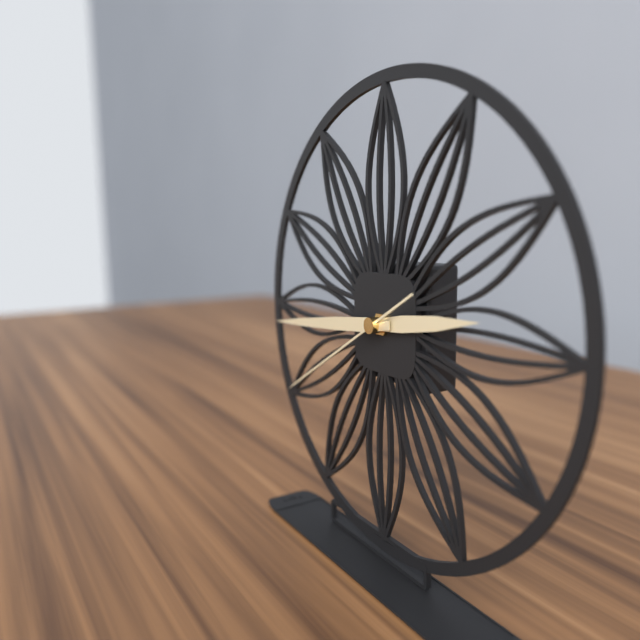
2:44:40
